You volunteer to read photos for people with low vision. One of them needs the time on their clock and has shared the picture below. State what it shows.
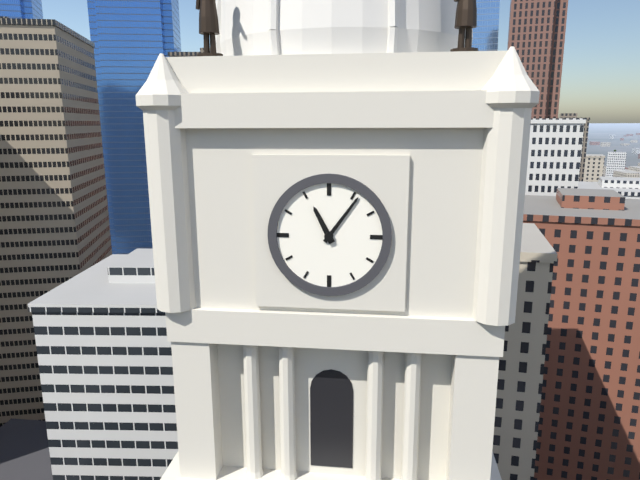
11:06
